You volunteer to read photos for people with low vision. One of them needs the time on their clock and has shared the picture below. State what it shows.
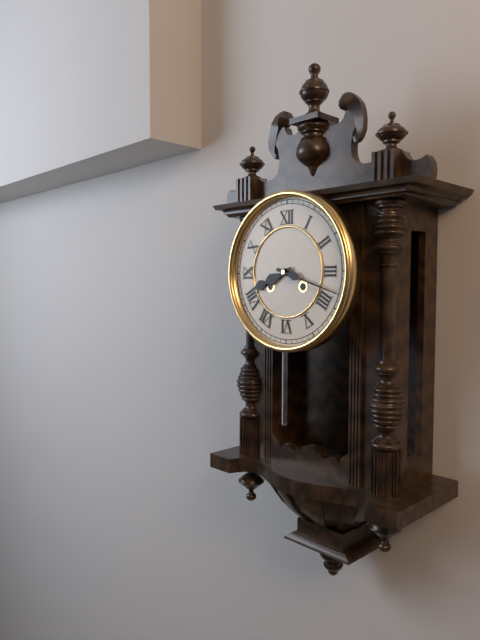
8:18
